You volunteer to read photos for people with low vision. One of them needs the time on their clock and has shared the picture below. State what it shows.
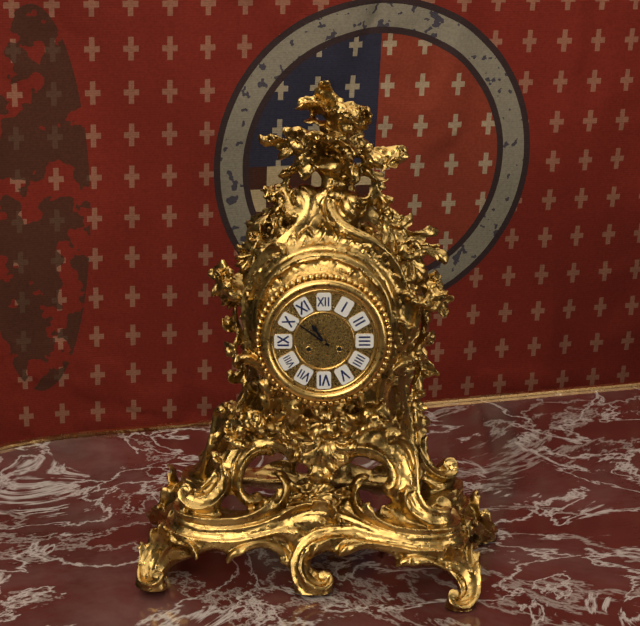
10:51
